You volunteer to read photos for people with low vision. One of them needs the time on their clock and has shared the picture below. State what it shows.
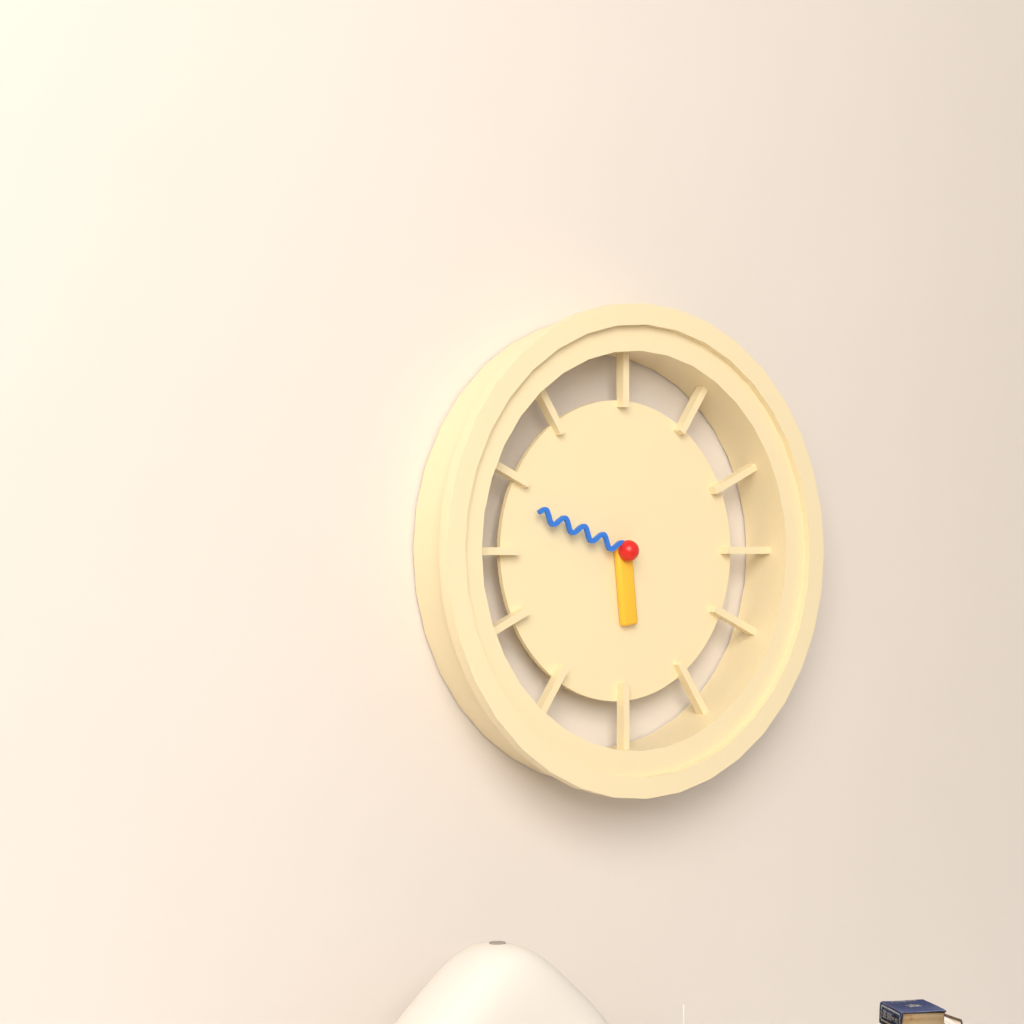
5:48
